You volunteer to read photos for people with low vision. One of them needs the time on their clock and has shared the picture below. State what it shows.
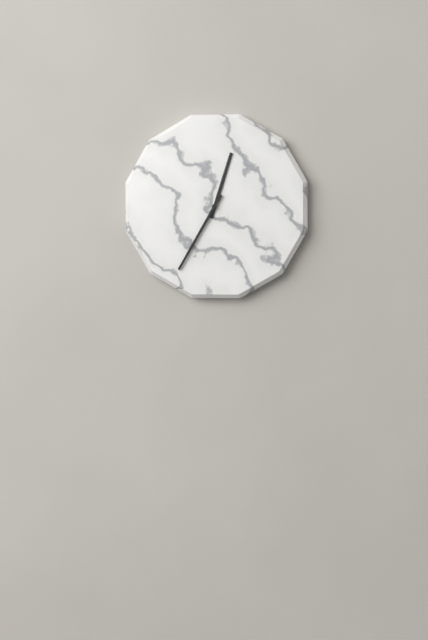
12:35
